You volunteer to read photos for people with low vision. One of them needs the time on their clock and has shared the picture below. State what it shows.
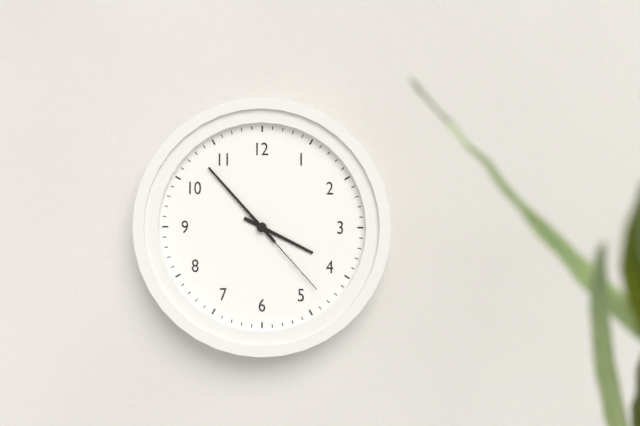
3:53:23
